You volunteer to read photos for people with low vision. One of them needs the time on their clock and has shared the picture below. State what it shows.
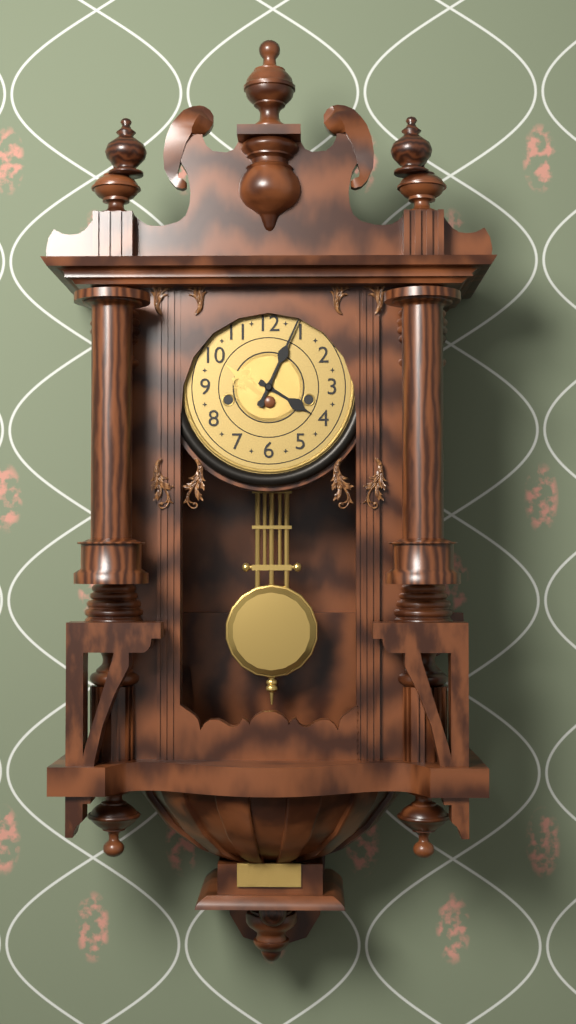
4:04
